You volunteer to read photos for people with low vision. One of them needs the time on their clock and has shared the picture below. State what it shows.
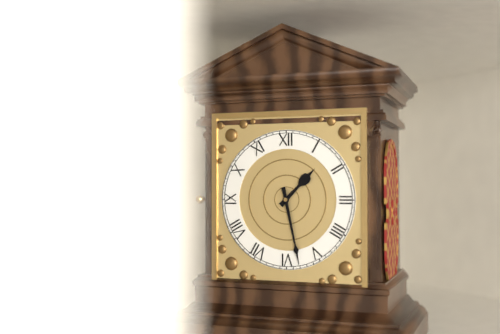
1:28
